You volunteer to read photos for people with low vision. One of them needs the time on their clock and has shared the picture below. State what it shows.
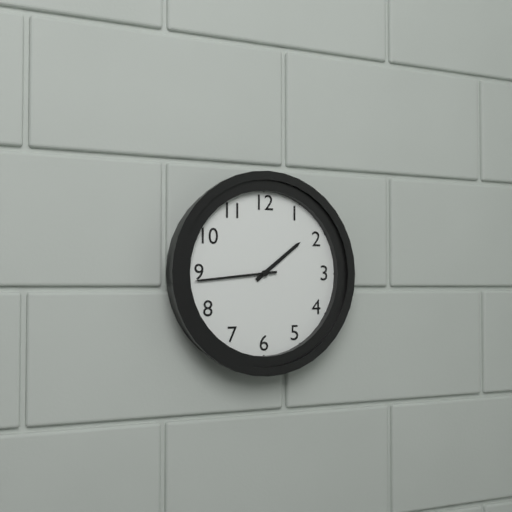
1:44
